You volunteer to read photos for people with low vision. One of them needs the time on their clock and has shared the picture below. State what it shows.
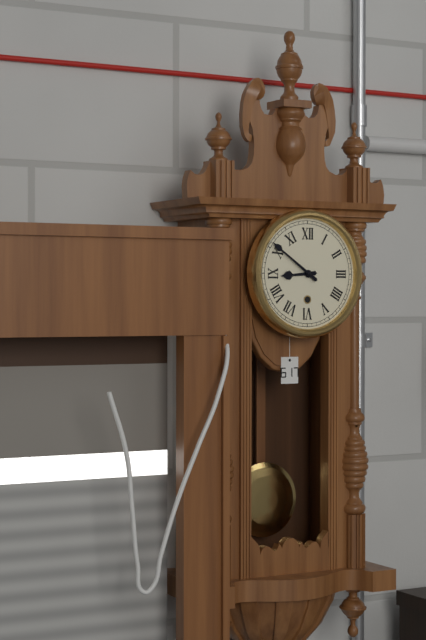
8:51
